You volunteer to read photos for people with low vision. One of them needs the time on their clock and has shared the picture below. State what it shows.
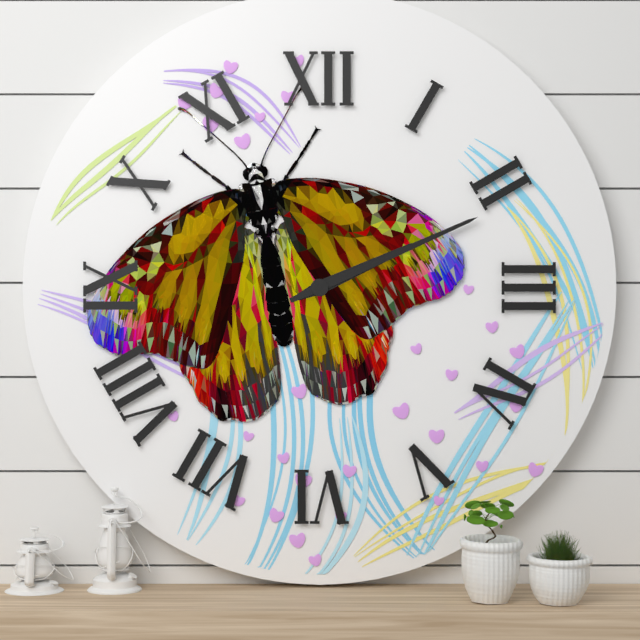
2:11
